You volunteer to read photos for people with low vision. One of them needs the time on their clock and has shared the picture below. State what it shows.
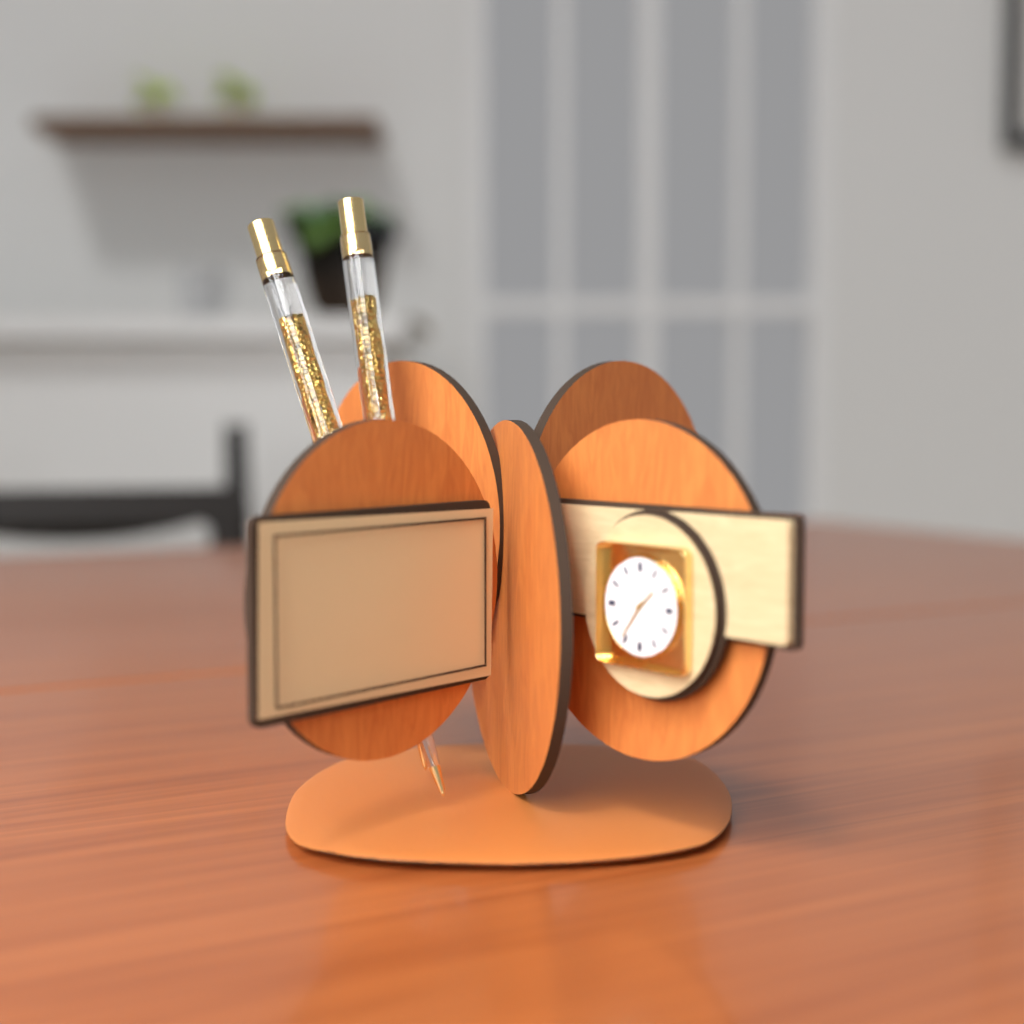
1:36
